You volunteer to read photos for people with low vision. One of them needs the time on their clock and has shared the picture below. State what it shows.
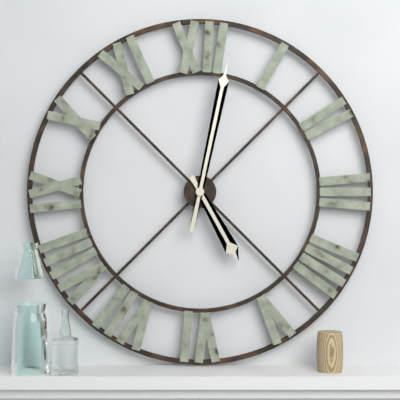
5:02
